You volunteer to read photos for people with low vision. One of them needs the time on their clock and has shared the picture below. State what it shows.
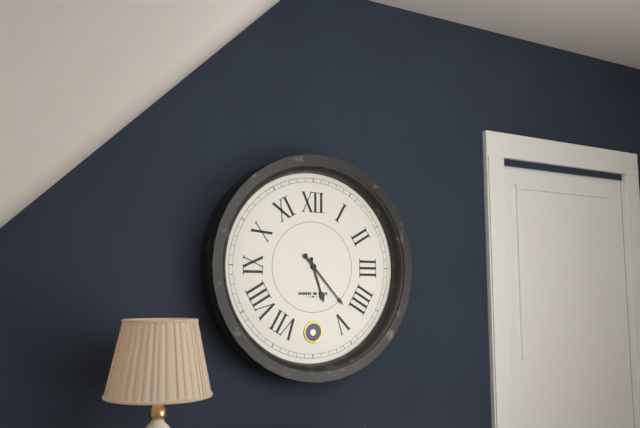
5:23
